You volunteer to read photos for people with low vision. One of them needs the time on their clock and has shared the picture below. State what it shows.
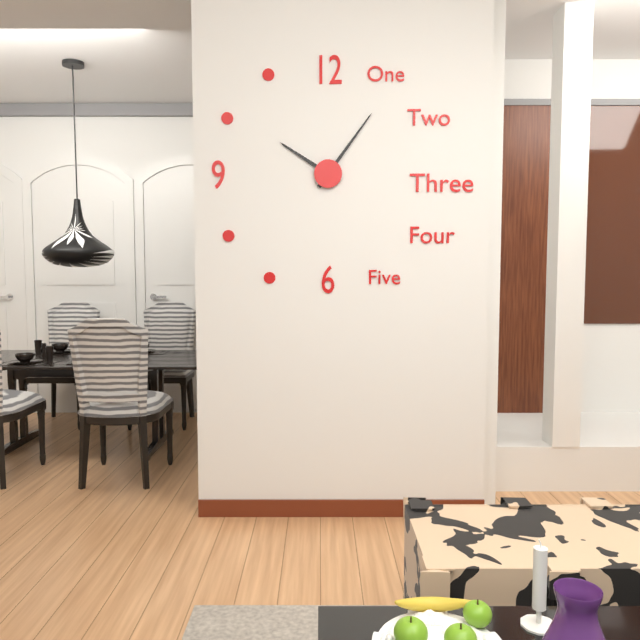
10:06
